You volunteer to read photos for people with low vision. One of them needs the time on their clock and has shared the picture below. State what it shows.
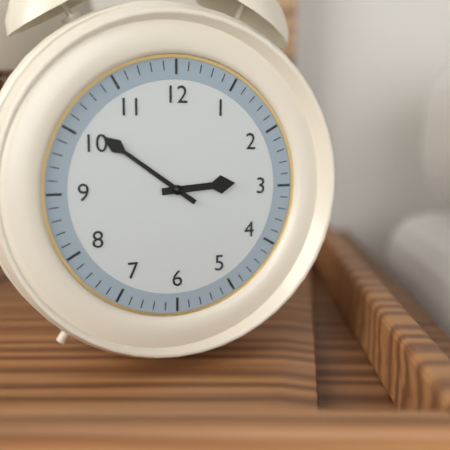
2:51
